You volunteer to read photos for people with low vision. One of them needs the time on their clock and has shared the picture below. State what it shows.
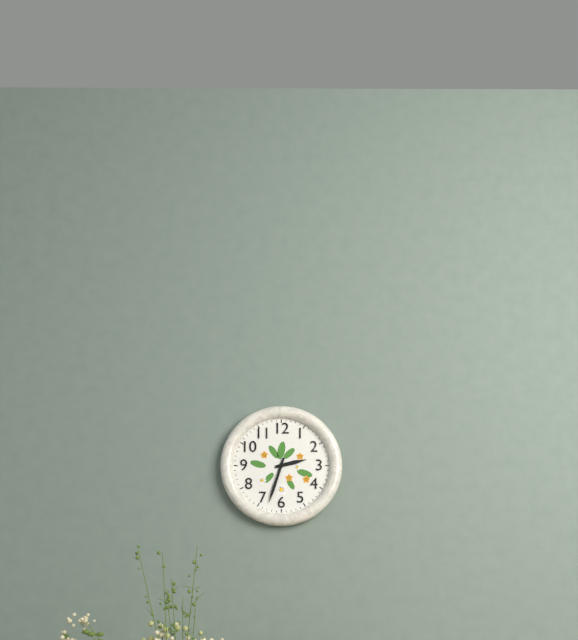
2:33
